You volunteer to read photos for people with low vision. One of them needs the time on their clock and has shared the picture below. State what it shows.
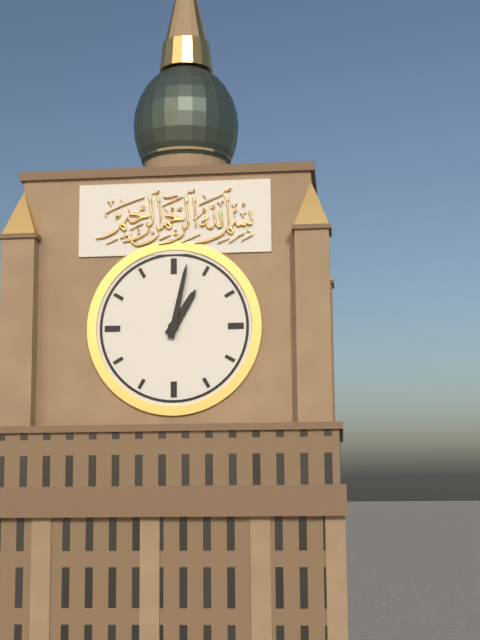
1:02
